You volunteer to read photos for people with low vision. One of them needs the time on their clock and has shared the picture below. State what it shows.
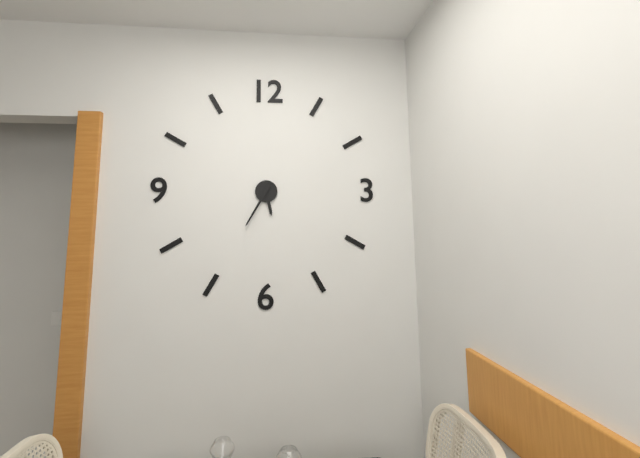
5:35
